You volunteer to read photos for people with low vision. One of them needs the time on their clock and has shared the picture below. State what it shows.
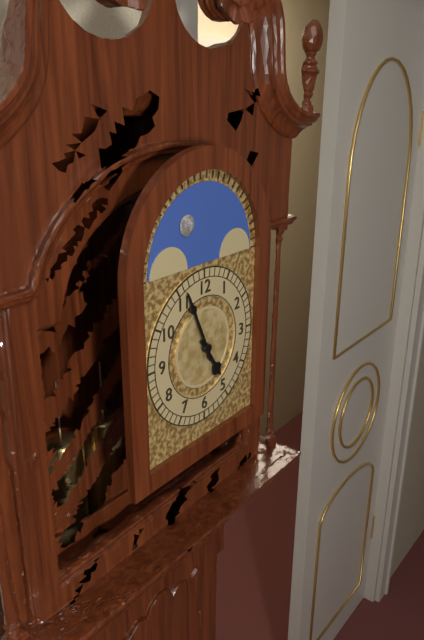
4:56
